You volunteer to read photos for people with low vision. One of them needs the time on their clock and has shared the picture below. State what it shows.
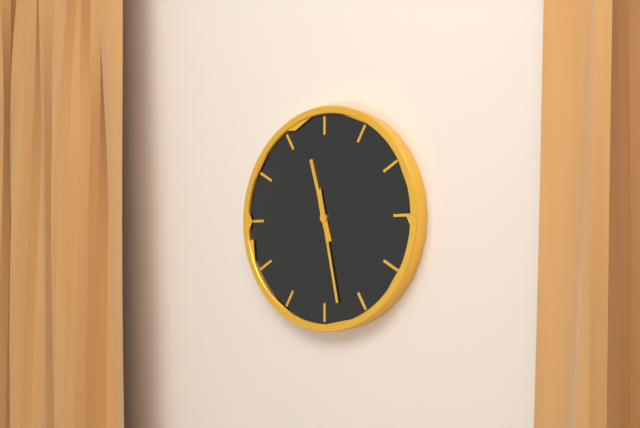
11:28
